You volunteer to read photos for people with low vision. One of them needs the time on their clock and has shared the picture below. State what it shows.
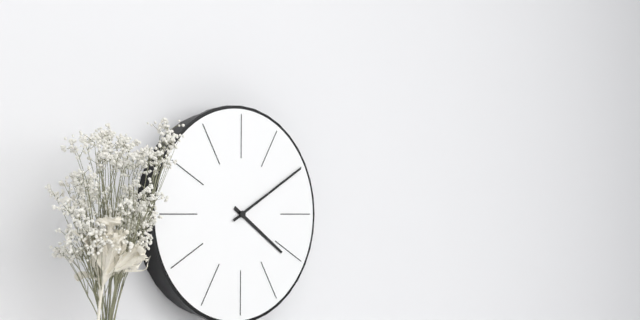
4:10
